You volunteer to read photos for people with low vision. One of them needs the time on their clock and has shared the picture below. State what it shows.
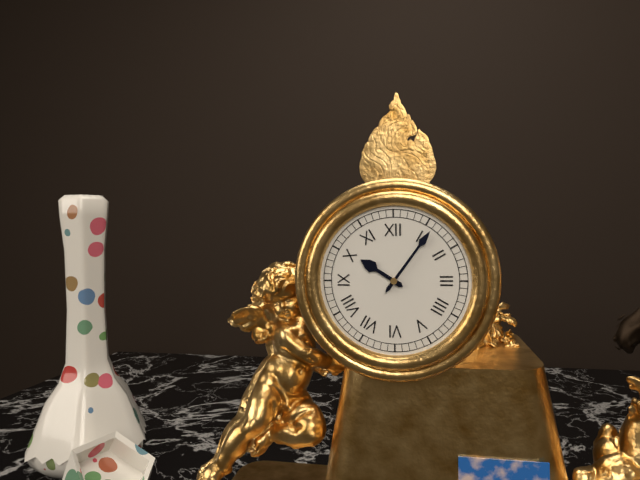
10:06
